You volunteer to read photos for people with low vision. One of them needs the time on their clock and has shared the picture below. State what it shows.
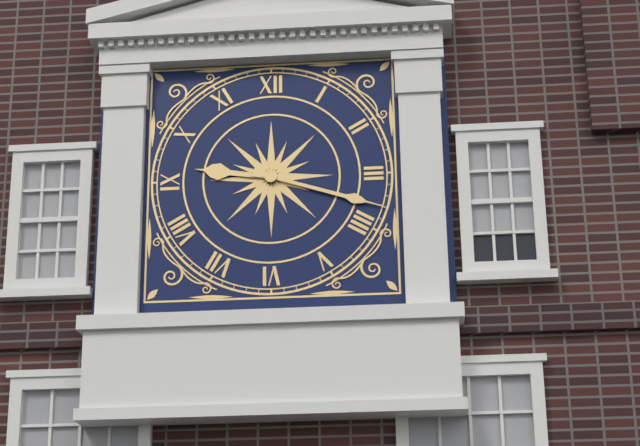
9:18
